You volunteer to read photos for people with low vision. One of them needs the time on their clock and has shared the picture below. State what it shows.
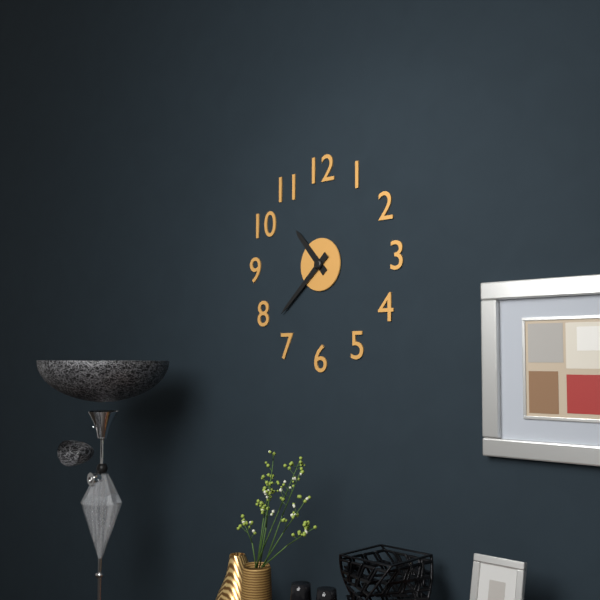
10:38
